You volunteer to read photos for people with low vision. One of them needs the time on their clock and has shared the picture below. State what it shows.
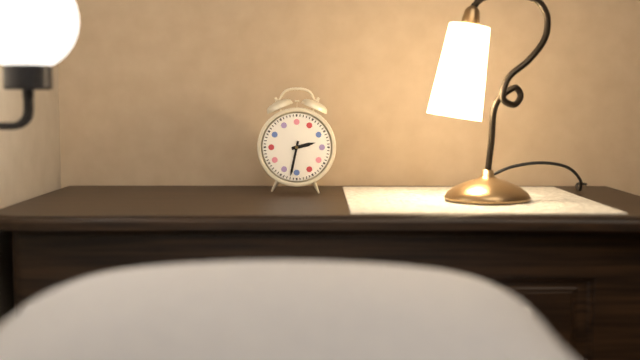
2:32
